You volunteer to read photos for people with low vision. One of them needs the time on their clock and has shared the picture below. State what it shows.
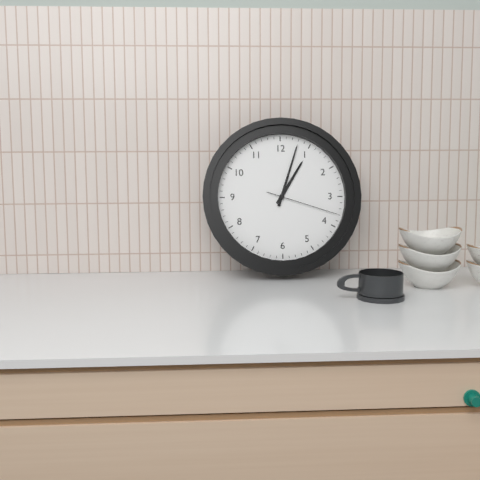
1:03:18
